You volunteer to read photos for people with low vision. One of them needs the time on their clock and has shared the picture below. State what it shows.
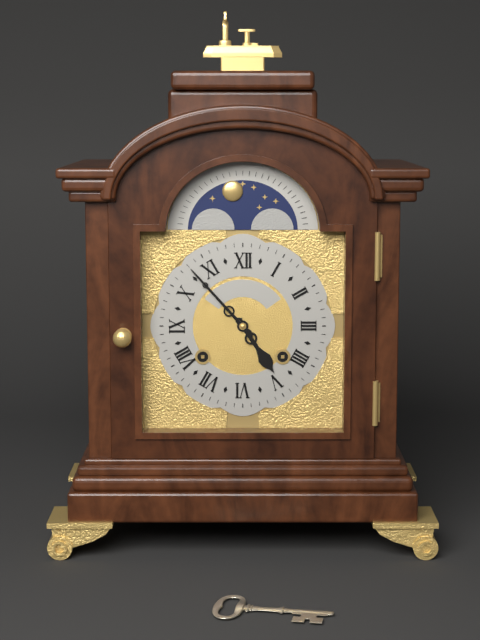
4:53
